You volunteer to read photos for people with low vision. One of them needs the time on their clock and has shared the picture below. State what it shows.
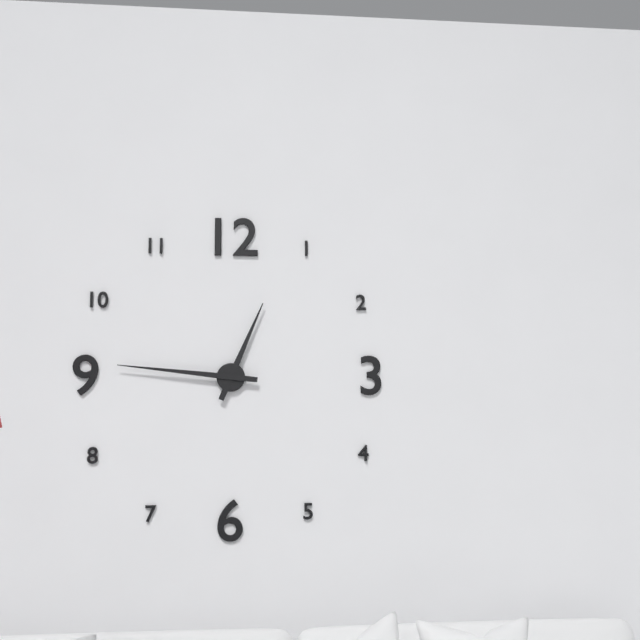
12:46
